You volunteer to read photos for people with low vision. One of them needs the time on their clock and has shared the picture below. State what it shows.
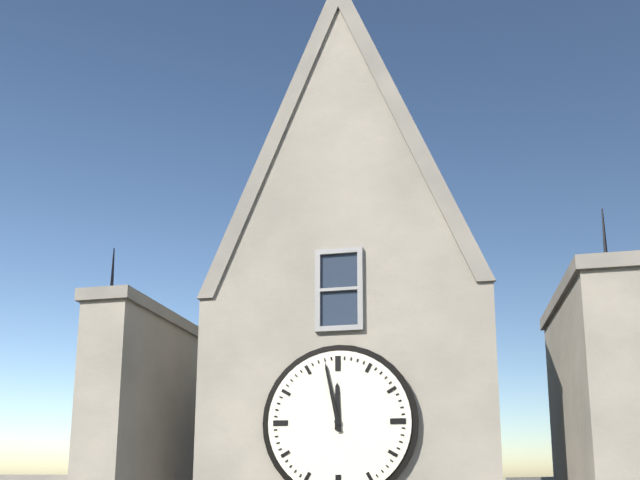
11:58
